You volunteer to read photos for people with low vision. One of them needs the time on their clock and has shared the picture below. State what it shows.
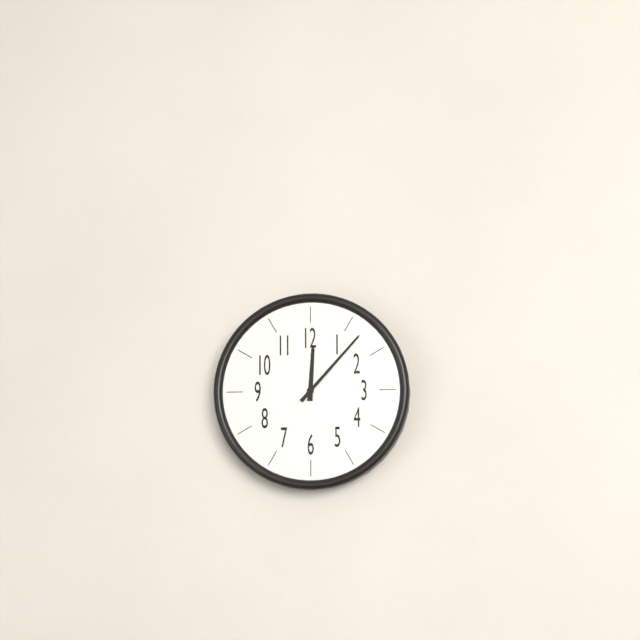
12:07
